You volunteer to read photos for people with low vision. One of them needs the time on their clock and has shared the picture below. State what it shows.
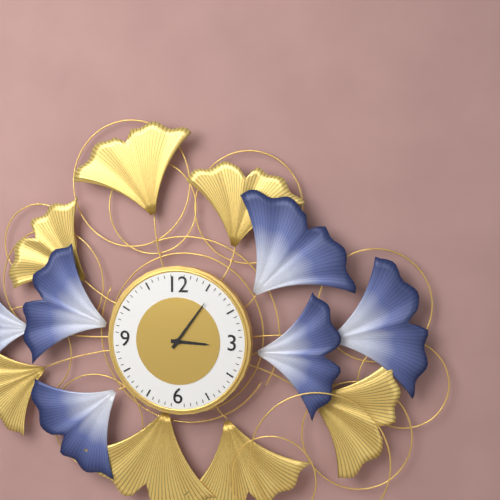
3:06
